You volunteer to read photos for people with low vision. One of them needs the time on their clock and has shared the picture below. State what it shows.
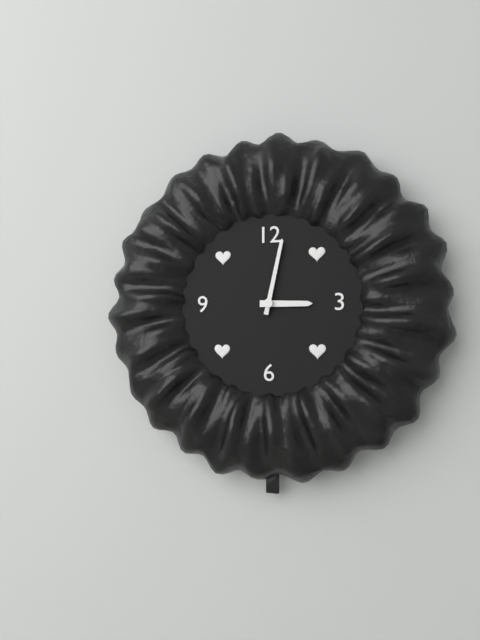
3:02
